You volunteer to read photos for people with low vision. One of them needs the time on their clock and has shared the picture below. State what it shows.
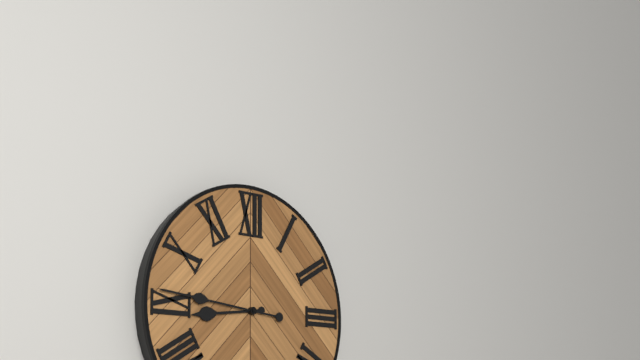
8:46
